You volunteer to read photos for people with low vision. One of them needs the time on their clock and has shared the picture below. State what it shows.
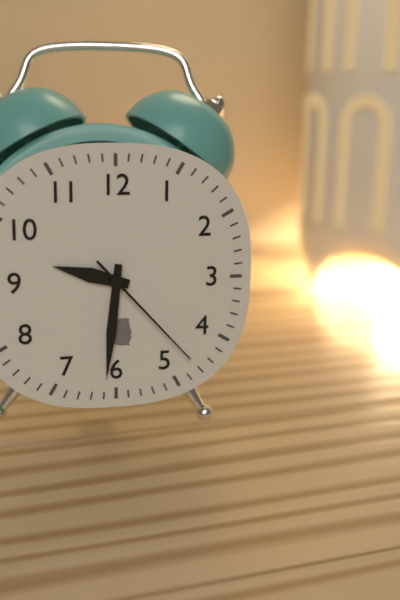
9:31:23
